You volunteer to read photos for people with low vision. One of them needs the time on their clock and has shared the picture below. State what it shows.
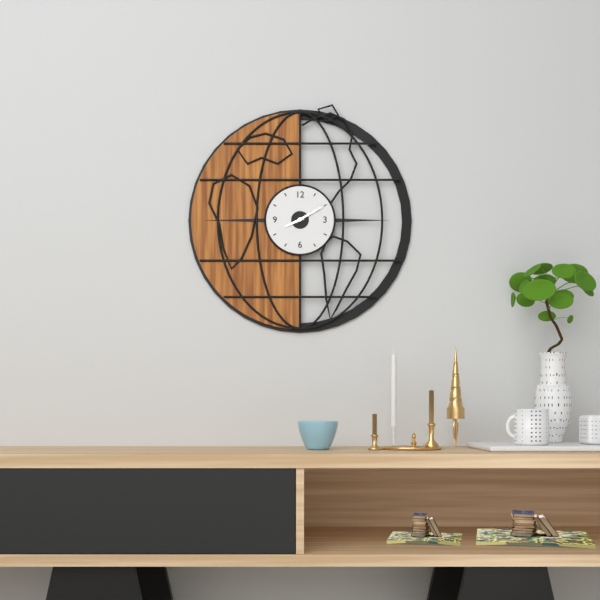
8:10
